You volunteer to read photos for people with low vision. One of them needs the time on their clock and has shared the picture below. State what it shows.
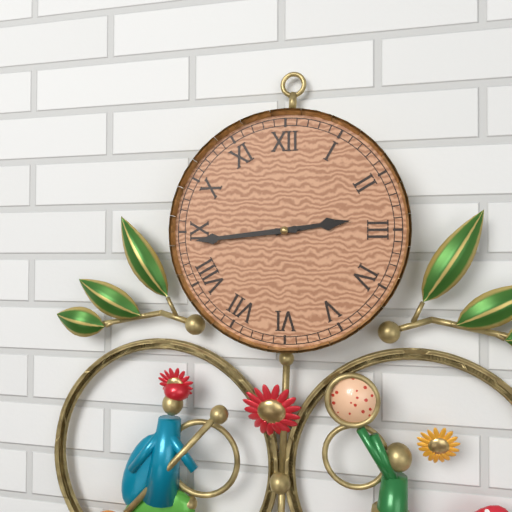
2:44
